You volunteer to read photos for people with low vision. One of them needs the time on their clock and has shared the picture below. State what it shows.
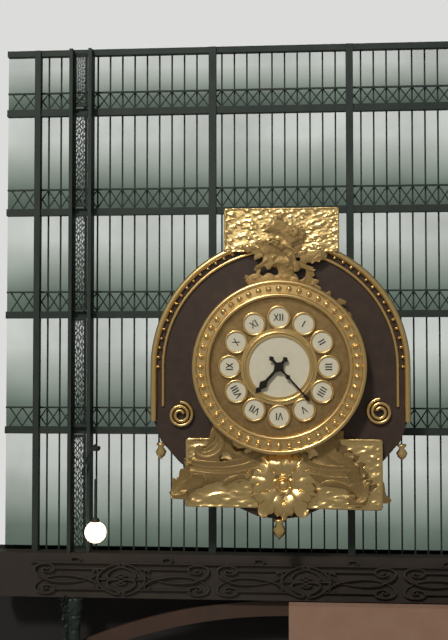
7:23
